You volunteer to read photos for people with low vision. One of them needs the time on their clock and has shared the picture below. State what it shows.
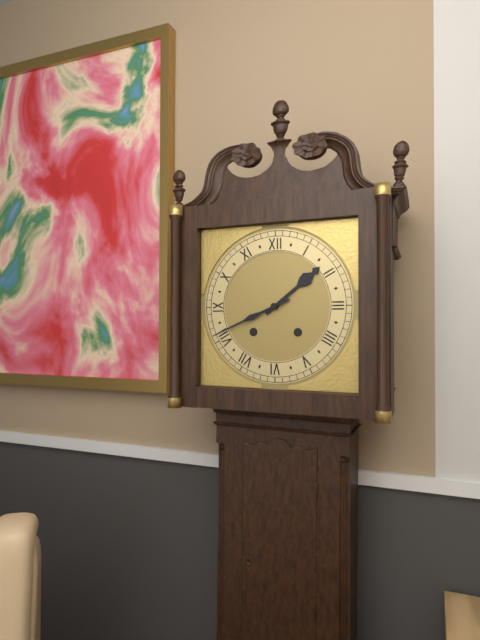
1:41
